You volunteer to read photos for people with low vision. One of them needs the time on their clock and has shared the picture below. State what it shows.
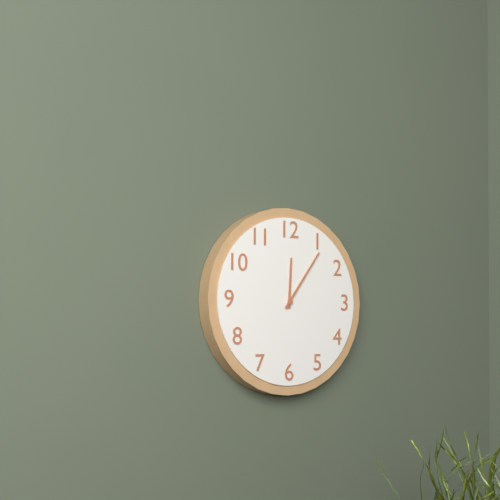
12:06
